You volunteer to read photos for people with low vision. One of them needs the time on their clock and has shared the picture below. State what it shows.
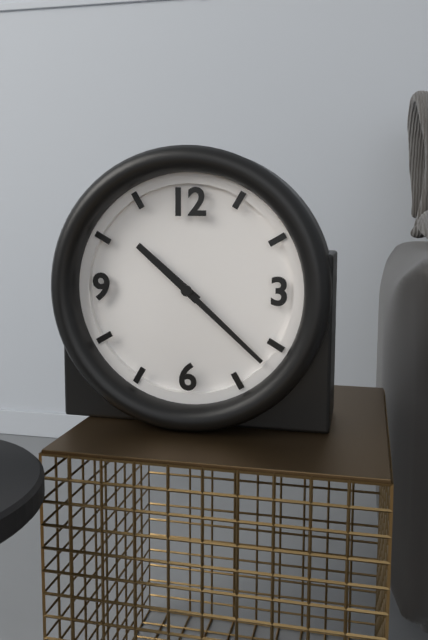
10:22
